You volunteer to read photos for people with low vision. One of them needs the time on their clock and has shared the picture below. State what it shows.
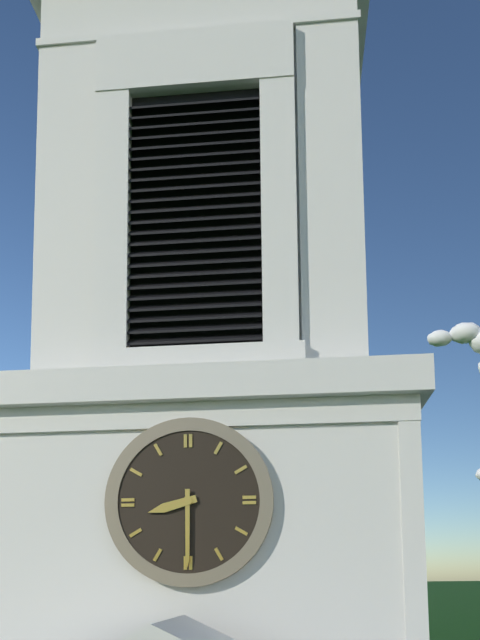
8:30
